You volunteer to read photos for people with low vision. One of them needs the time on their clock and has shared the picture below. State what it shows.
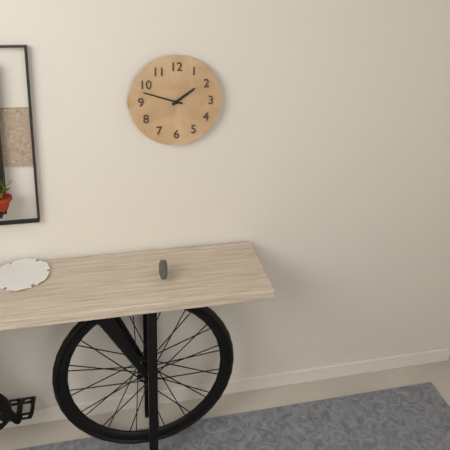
1:48
